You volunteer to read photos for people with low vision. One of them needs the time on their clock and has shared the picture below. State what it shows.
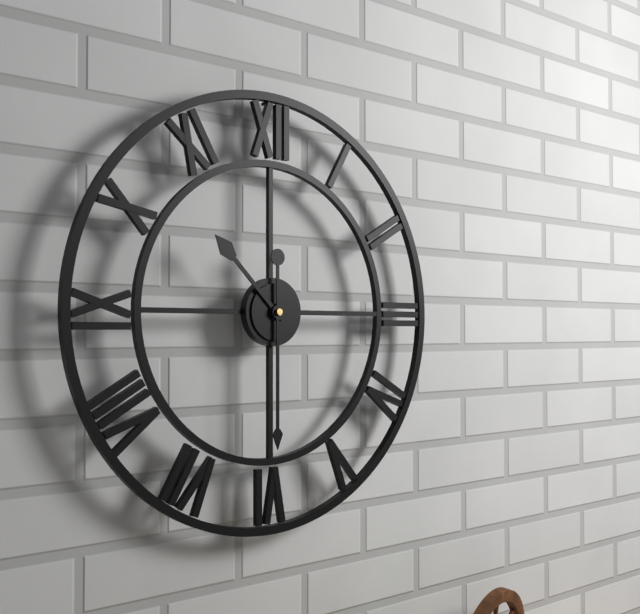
10:30
